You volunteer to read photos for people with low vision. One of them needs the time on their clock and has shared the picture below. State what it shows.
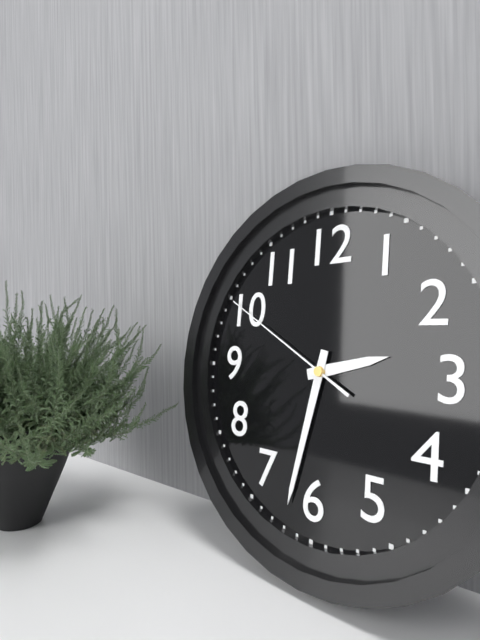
2:32:50
